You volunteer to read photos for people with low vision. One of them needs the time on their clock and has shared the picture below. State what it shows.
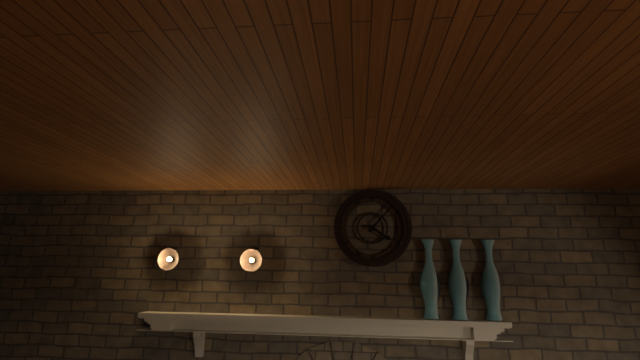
4:07
